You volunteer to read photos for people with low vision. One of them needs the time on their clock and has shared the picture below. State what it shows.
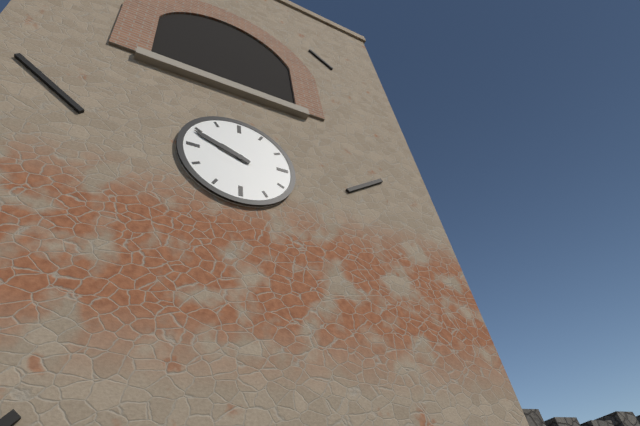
9:49
